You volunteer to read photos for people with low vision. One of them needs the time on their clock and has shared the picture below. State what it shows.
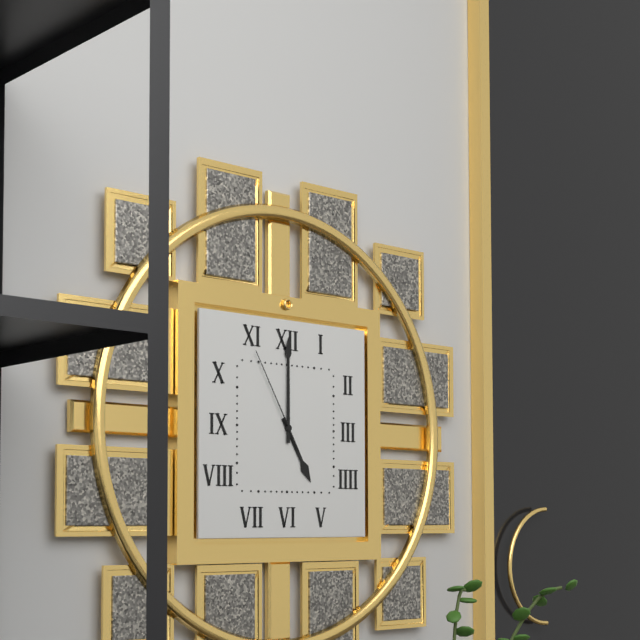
5:00:55
